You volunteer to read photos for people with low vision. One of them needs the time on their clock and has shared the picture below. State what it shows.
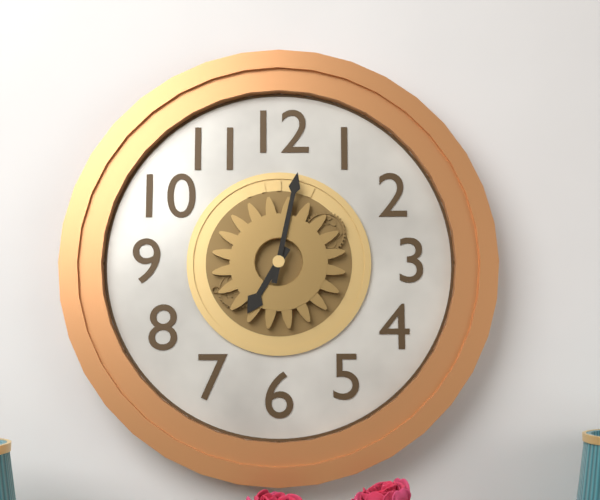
7:02
